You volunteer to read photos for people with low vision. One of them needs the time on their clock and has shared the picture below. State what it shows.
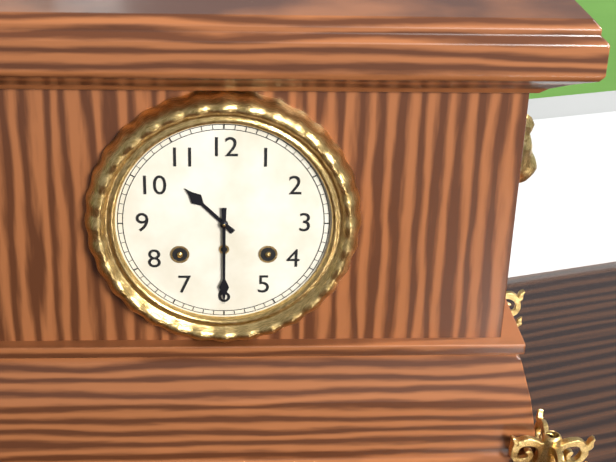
10:30
